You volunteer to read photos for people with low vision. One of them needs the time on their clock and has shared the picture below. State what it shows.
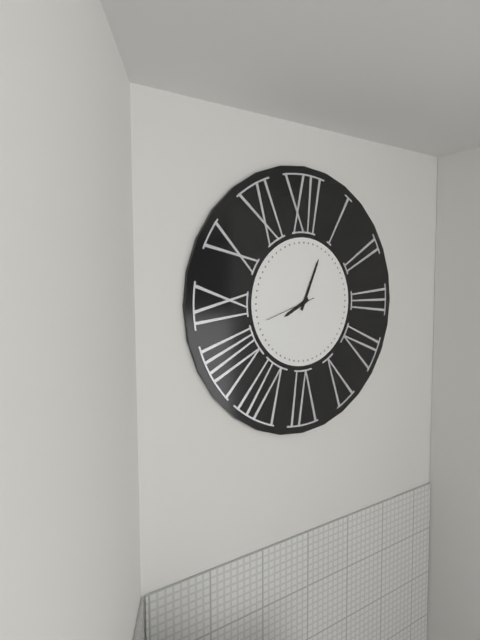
8:04:42
